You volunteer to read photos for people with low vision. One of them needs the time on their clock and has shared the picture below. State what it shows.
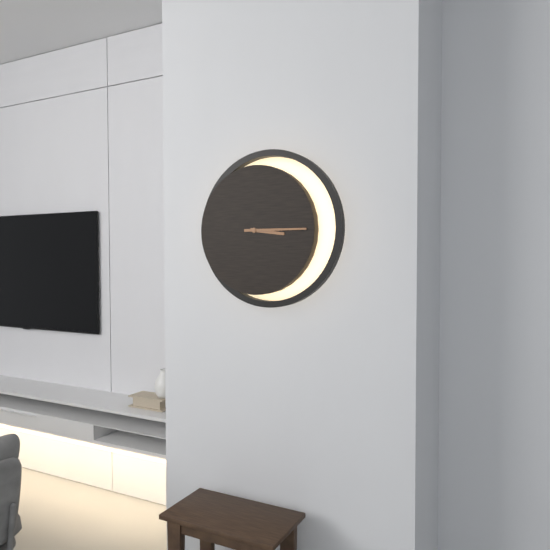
3:15
